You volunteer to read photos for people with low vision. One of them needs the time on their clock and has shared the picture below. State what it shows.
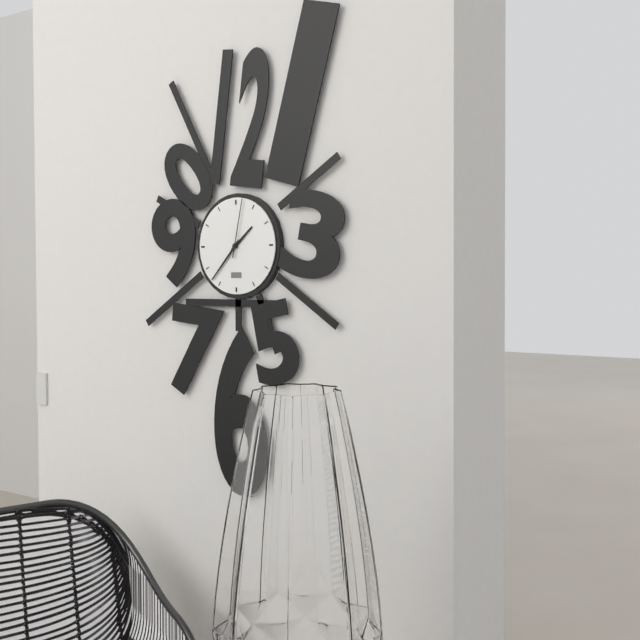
1:37:02
